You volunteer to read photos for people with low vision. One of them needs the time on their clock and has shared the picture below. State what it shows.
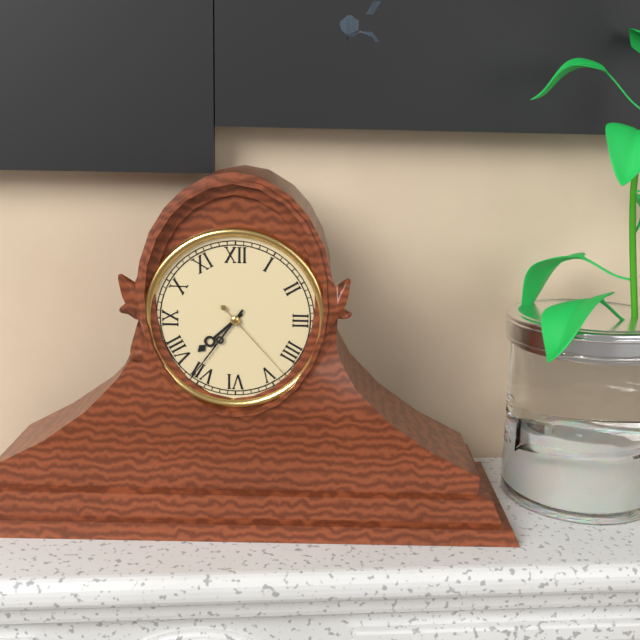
7:36:23
